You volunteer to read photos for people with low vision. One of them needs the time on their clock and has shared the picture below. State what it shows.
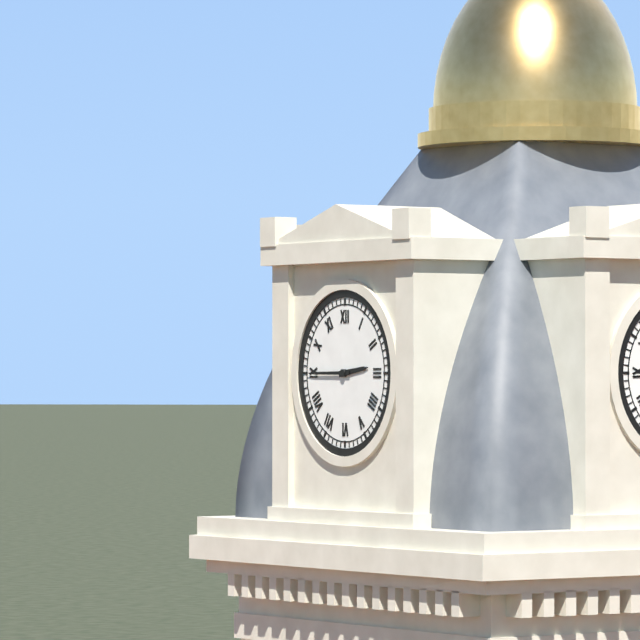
2:45
